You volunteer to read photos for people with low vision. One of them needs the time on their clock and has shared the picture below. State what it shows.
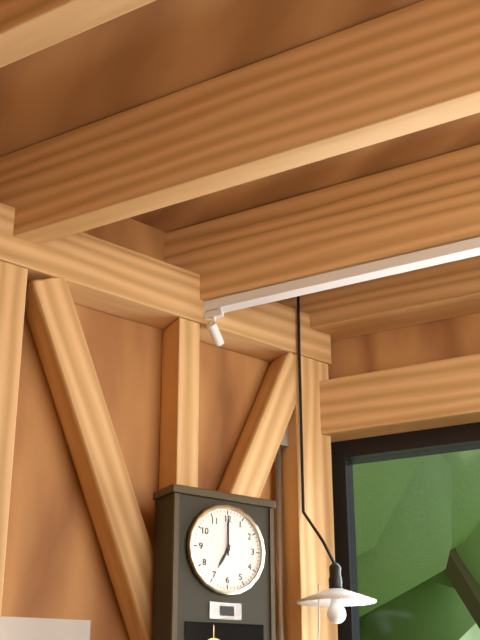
7:00
